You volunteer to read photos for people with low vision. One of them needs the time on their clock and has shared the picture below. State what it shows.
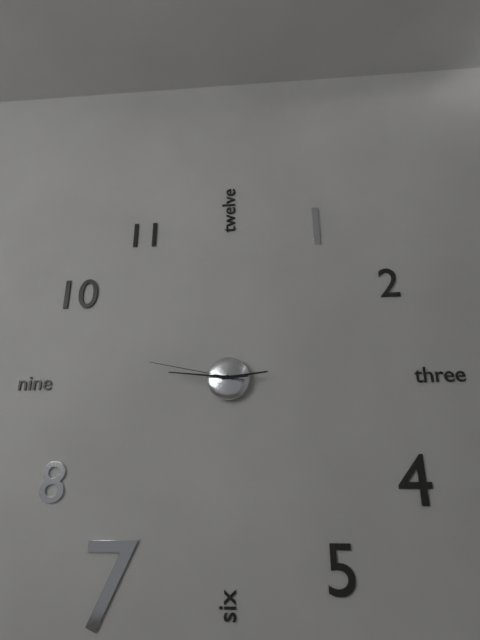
2:46:47
